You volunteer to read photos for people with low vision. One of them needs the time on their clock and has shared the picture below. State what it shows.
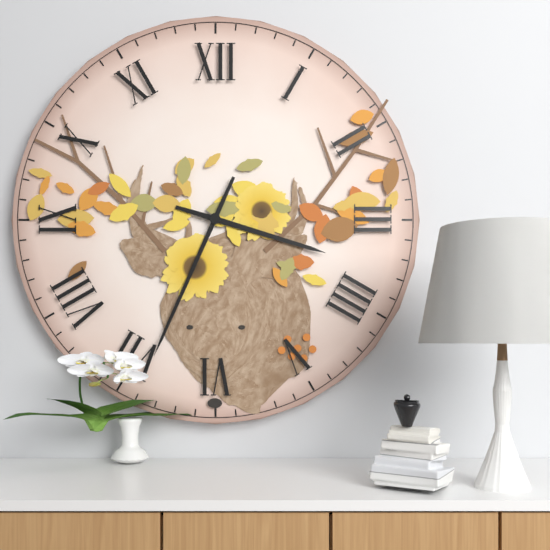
3:34
